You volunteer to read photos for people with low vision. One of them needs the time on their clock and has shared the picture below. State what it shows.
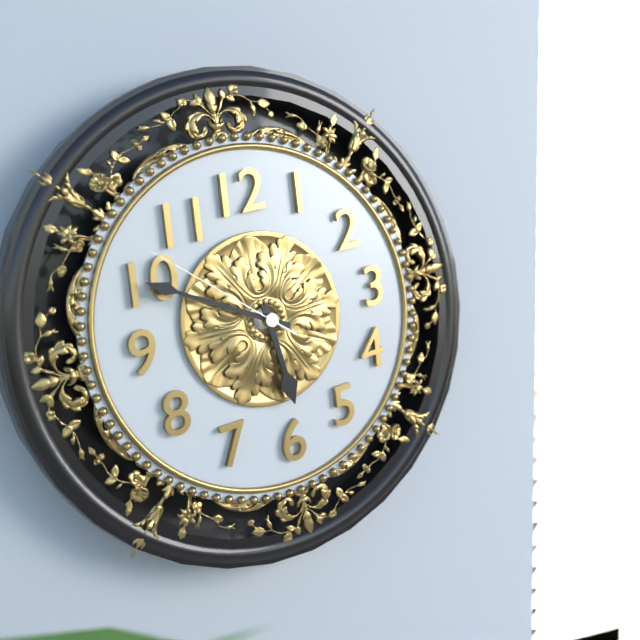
5:50:52
